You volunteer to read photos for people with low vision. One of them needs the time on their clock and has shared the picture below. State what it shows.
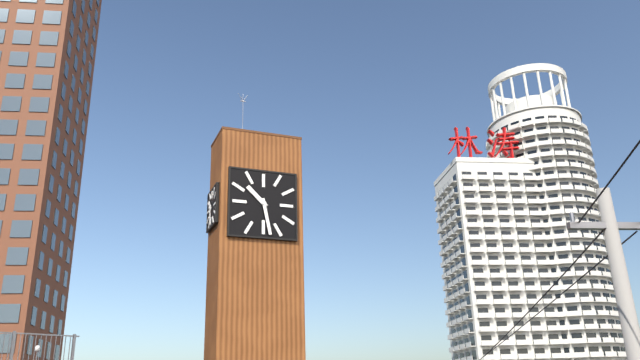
10:28
